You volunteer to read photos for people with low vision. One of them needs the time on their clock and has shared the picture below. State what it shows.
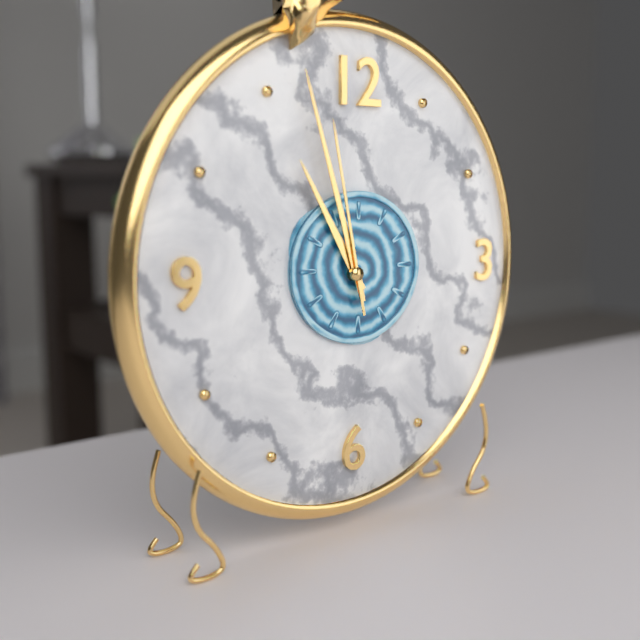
10:57:58
